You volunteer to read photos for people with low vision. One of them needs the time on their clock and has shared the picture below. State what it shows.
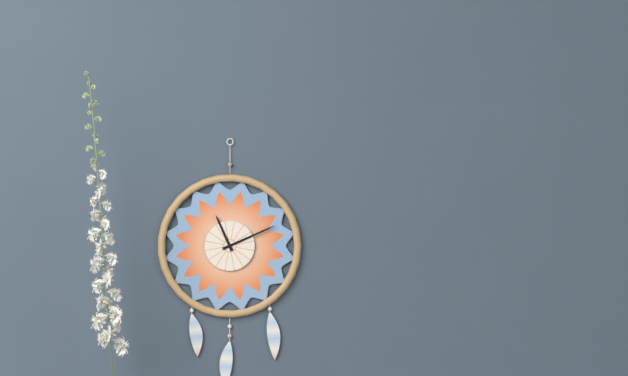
11:11
